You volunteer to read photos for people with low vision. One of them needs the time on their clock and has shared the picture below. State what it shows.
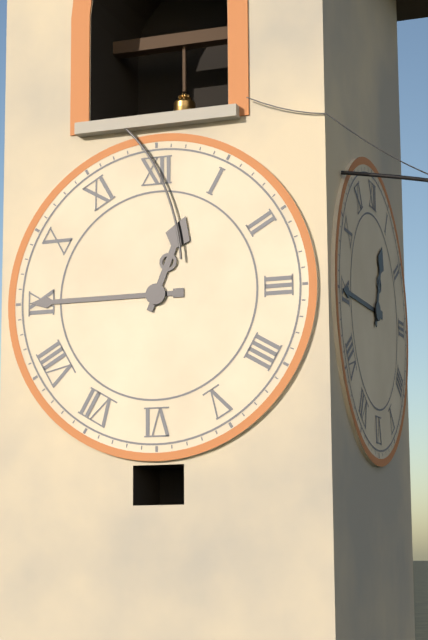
12:45
